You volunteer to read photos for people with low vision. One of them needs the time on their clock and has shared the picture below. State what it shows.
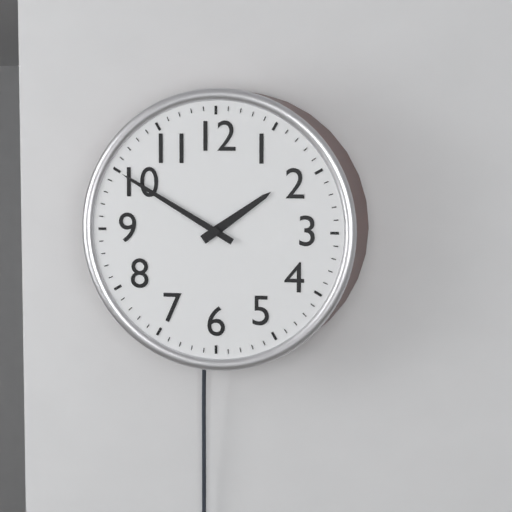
1:50
